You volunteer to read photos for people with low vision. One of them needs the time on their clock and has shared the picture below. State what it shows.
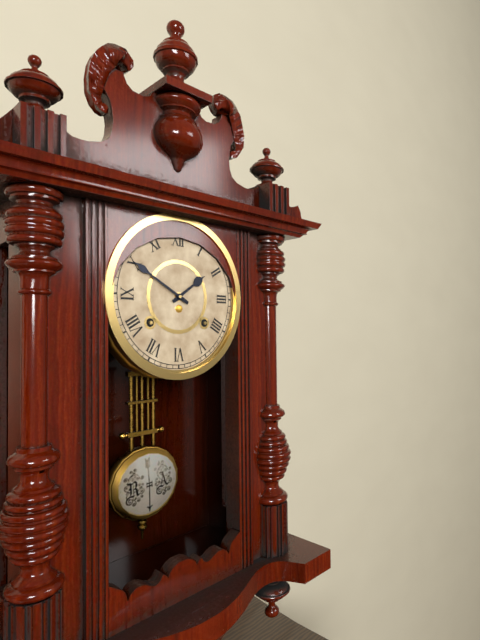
1:50
